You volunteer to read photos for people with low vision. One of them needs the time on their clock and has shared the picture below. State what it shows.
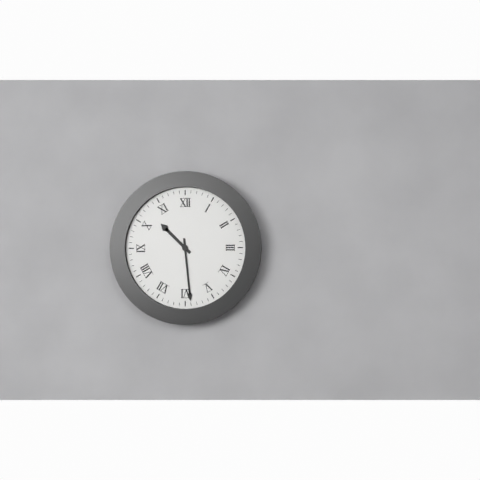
10:29
